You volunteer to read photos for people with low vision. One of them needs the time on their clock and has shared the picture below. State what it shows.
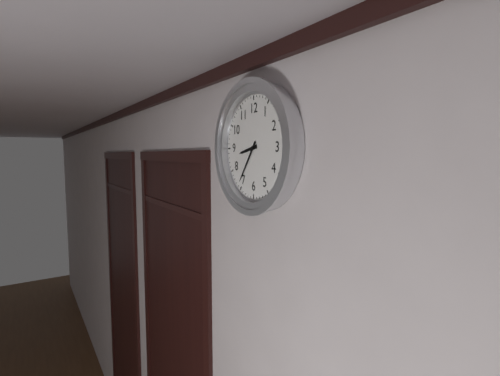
8:36
